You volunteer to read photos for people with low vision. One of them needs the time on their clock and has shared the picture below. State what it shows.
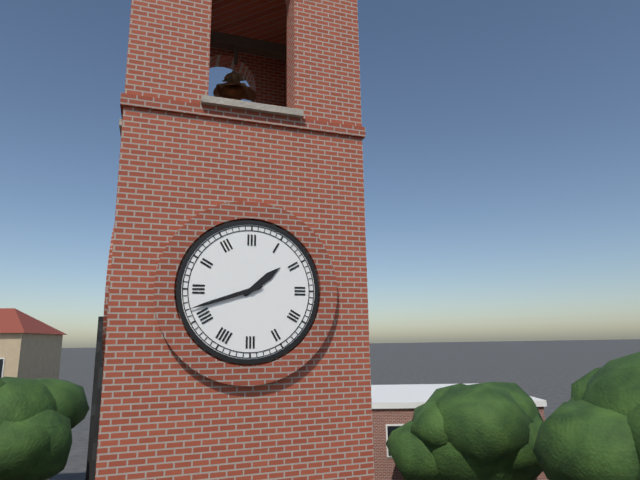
1:42
